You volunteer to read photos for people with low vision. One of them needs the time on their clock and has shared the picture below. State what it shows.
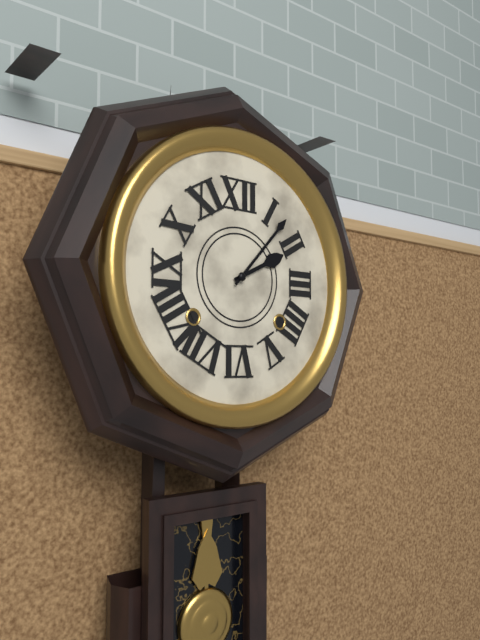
2:07
